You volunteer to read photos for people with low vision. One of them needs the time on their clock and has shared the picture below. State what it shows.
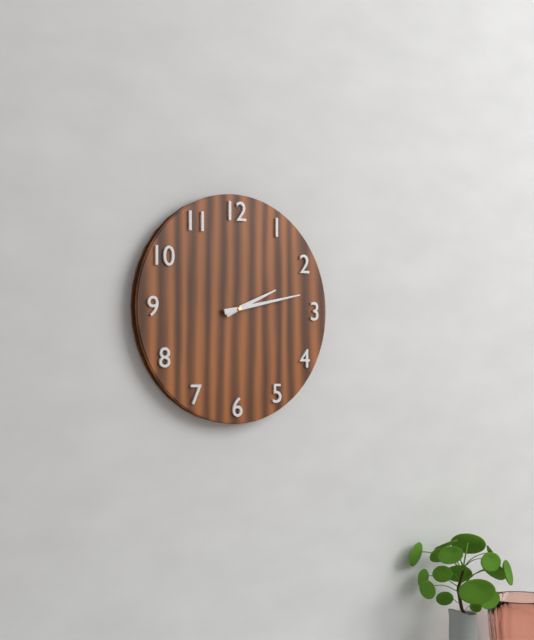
2:13
